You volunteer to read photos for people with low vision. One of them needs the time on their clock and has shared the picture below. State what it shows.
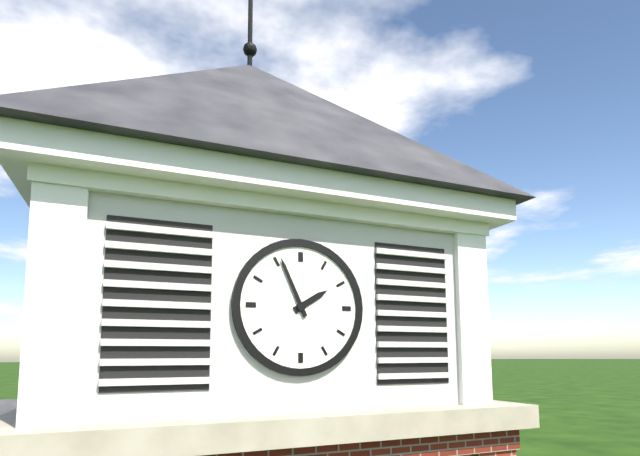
1:56
